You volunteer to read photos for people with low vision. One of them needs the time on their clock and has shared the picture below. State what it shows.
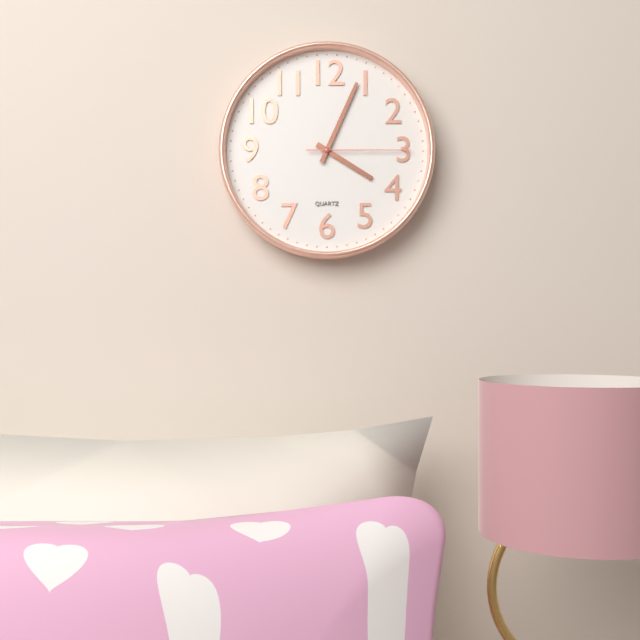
4:04:15
